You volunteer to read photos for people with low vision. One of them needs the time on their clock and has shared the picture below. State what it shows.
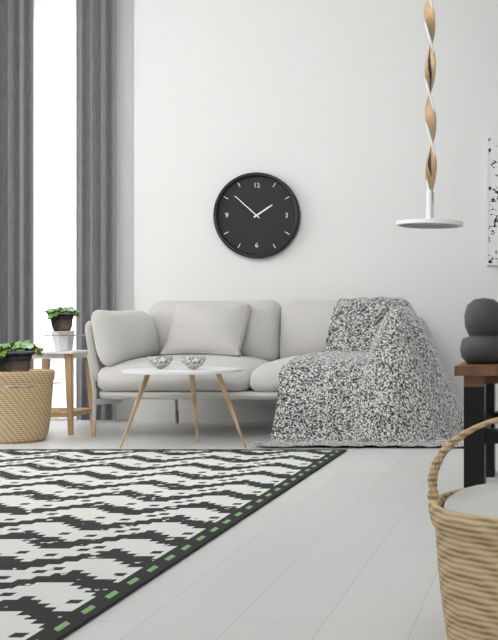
1:52
